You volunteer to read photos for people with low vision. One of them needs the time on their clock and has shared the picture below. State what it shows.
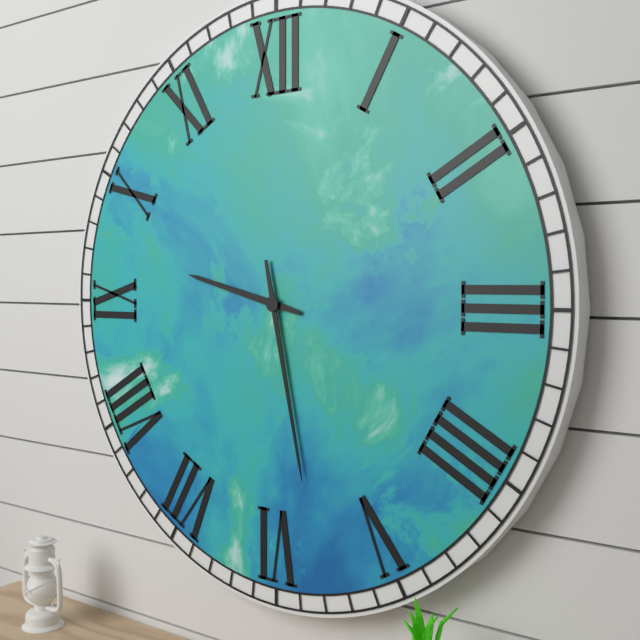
9:28
